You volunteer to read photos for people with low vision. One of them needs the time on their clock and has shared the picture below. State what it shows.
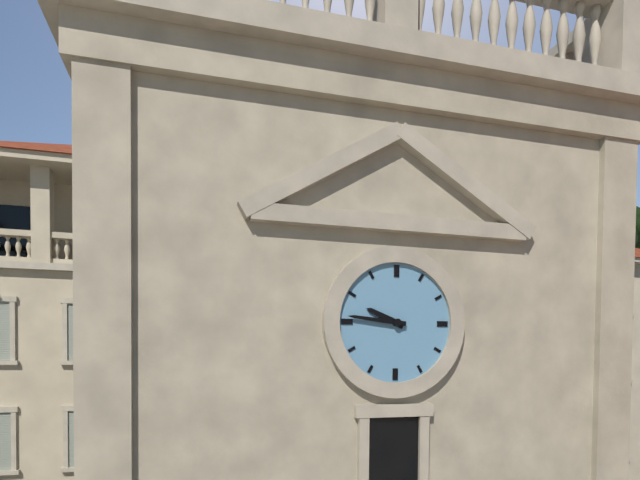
9:46
